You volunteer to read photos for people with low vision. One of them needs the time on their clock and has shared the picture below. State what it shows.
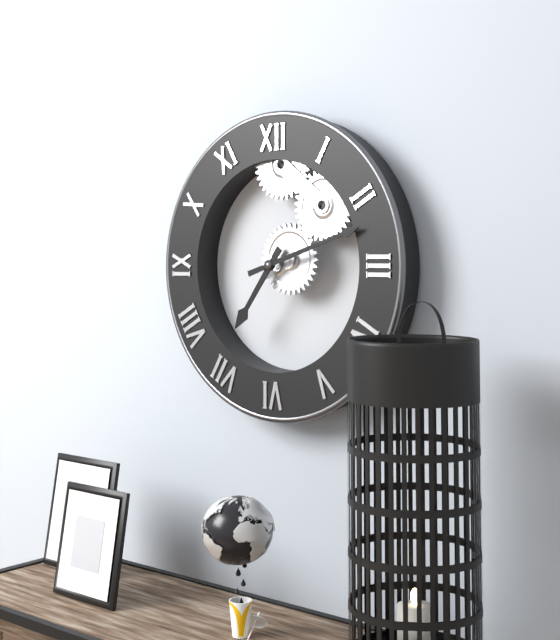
7:12
